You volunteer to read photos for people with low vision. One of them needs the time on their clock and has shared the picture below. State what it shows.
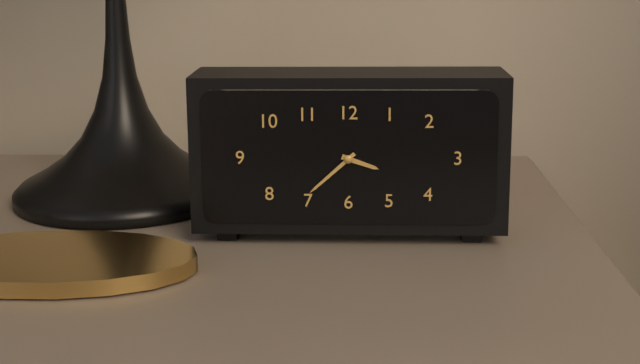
3:38
